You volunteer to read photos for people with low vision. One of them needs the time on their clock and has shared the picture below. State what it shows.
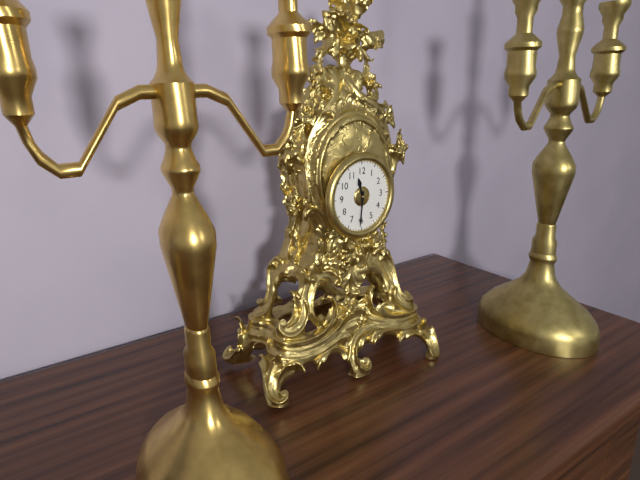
11:31
